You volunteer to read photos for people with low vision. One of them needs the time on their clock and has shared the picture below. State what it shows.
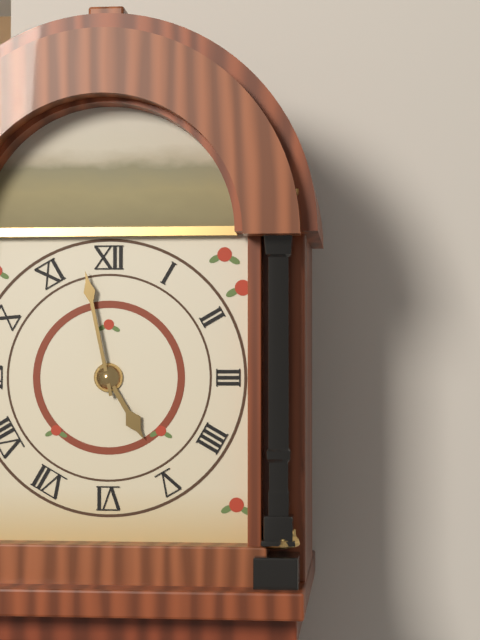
4:58
